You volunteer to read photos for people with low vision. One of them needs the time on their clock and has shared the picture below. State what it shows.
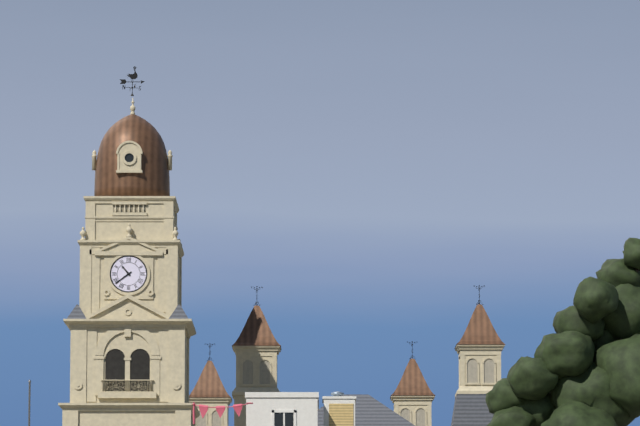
10:39
